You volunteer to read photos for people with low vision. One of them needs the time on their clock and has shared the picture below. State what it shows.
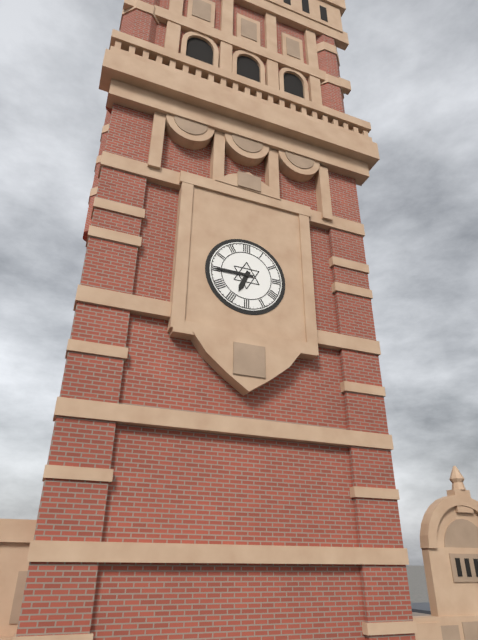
6:45
